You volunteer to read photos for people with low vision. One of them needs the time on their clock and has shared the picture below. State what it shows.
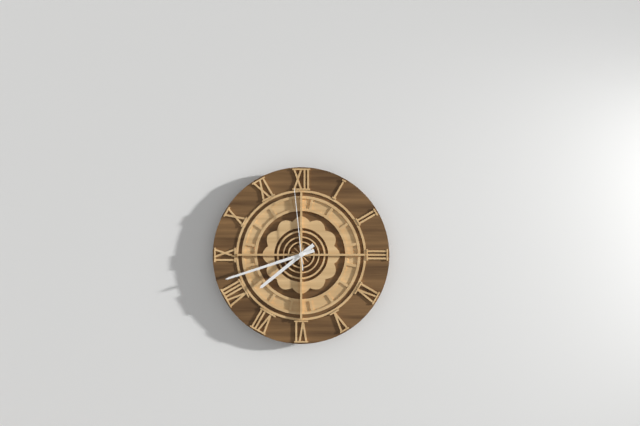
7:42:59
